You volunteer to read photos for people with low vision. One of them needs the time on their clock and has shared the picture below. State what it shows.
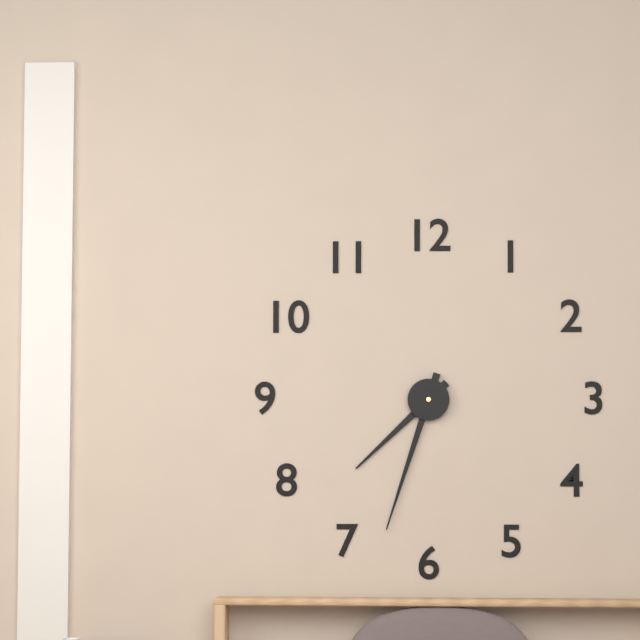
7:33
